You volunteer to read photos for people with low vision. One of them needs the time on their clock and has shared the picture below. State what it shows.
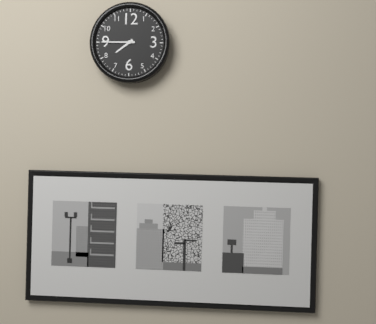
7:45
